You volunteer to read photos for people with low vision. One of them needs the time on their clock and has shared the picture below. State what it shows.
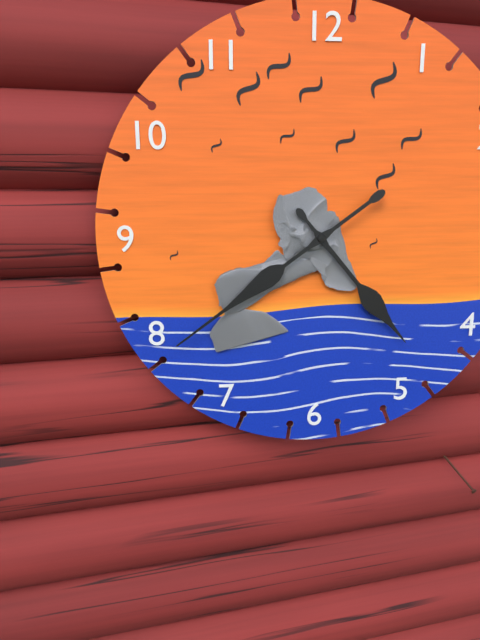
4:39
